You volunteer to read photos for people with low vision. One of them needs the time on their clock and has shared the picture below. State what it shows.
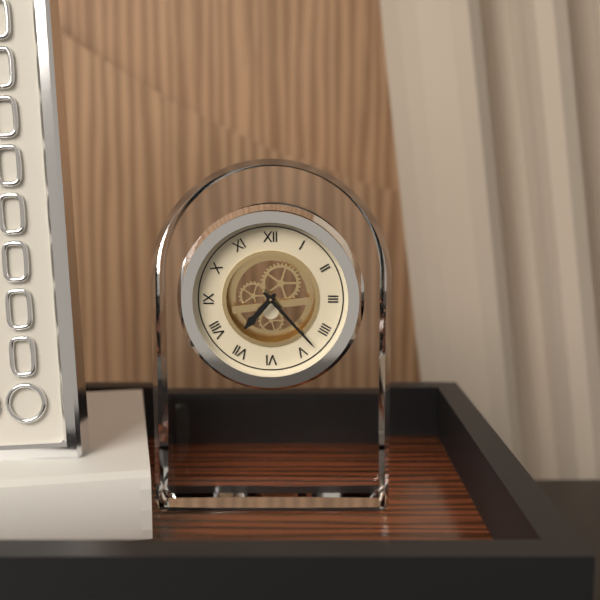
7:23
